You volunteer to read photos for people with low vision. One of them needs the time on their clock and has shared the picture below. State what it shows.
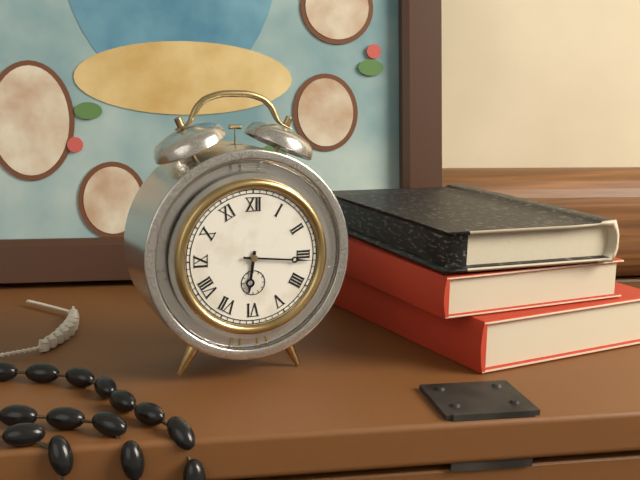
6:16
